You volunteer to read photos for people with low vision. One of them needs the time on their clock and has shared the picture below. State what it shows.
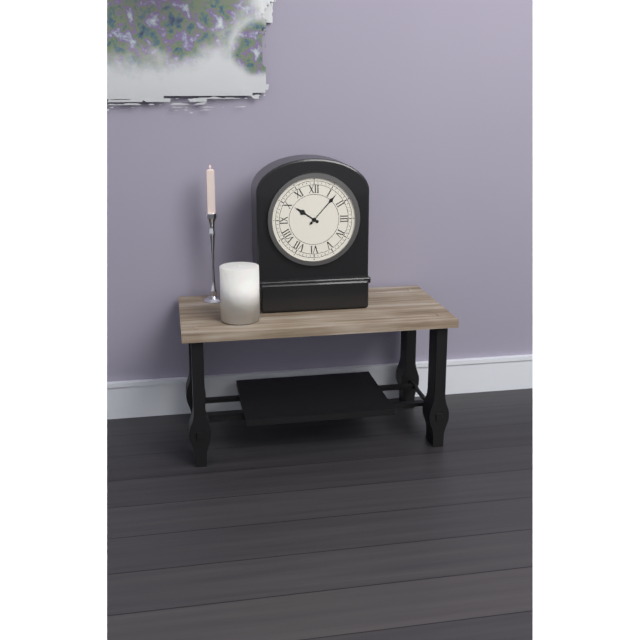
10:07
